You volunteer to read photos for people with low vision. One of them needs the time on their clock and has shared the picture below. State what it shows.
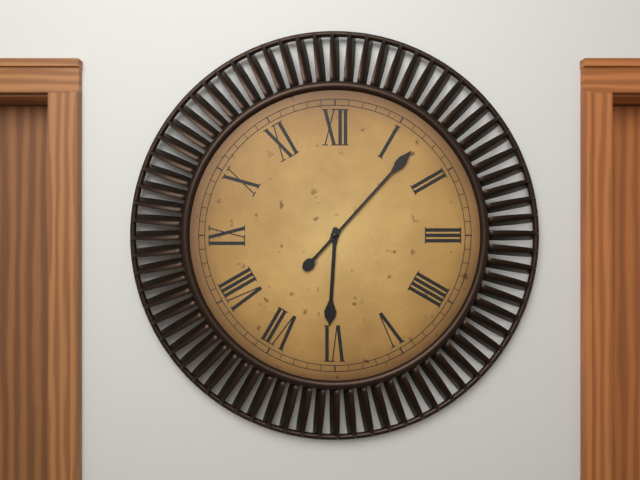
6:07
